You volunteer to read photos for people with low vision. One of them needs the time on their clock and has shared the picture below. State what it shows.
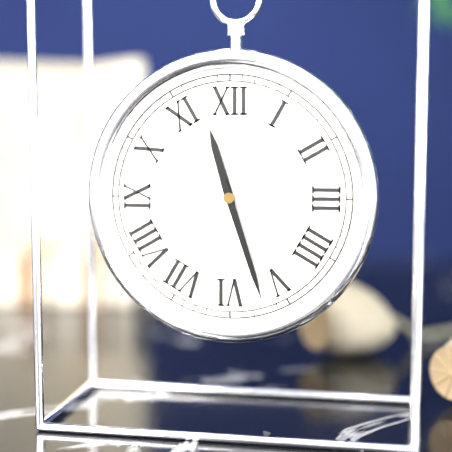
11:27
